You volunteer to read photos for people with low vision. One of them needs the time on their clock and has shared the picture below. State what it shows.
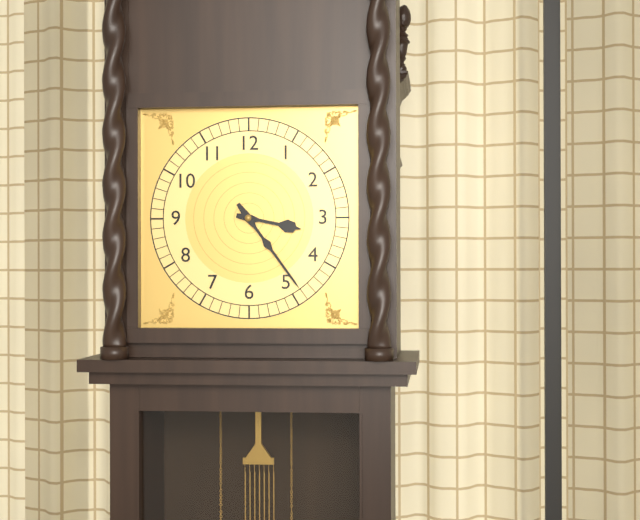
3:24
